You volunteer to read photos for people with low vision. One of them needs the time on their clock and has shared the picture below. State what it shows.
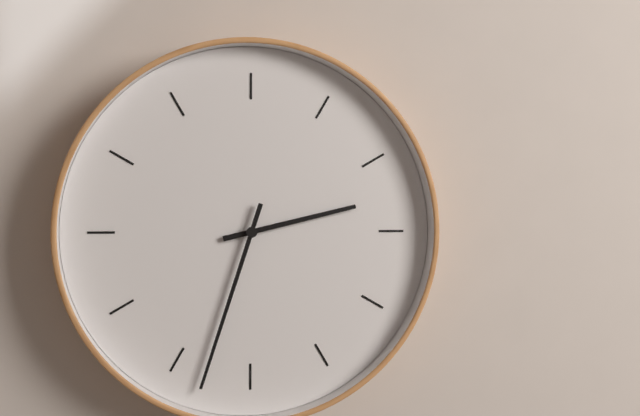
2:33
